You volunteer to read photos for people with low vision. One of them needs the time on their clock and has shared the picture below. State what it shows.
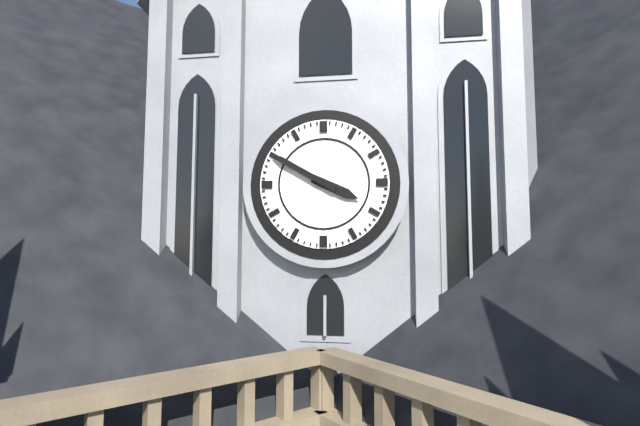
3:50
